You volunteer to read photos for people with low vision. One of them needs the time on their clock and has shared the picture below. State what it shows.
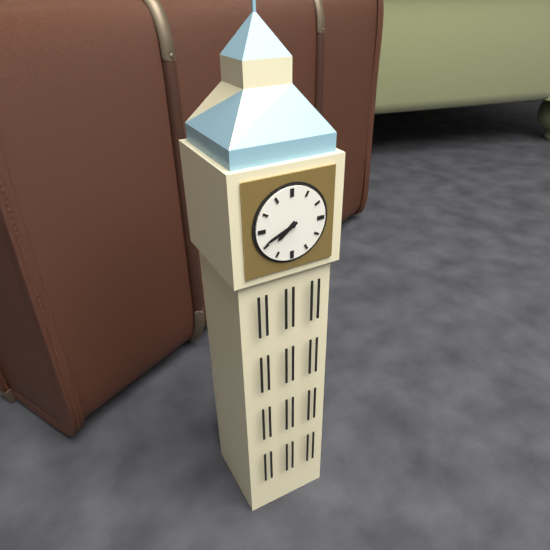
7:41
